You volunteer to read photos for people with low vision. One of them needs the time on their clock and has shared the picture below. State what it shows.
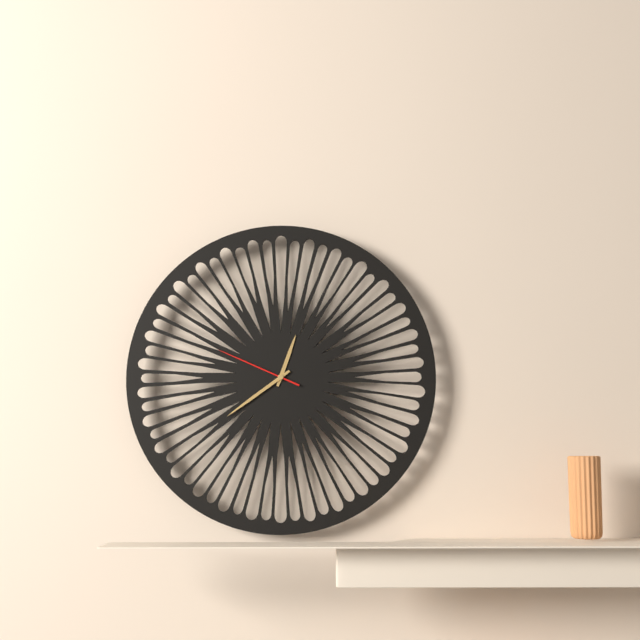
12:39:49
